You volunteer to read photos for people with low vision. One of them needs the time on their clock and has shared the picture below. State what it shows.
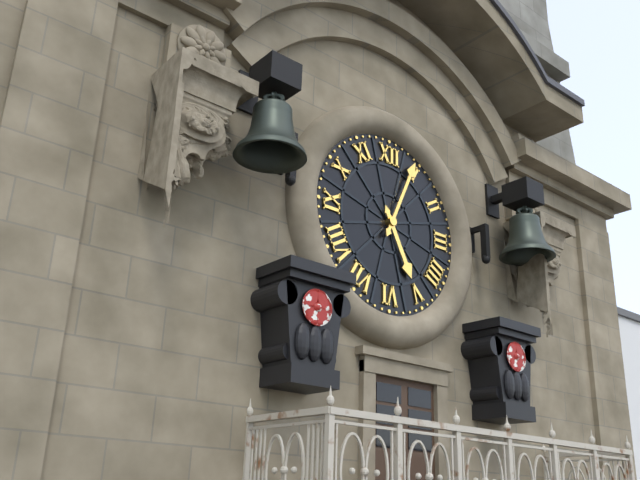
5:04
